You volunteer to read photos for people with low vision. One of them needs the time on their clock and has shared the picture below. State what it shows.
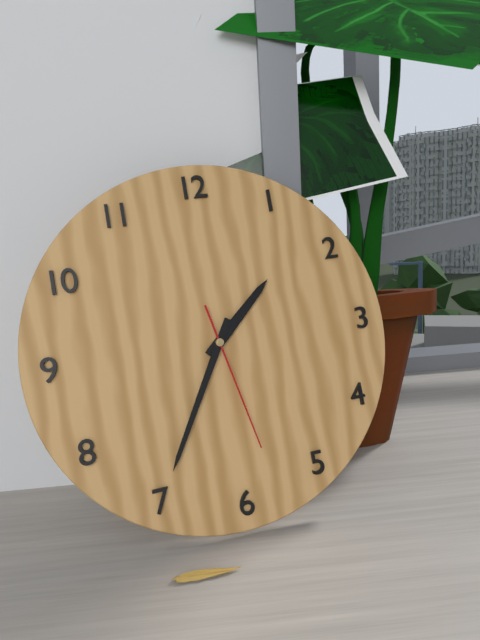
1:35:28
